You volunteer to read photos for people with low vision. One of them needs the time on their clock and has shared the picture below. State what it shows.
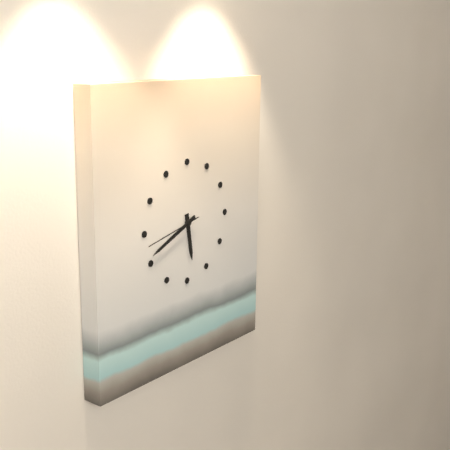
5:41:43
